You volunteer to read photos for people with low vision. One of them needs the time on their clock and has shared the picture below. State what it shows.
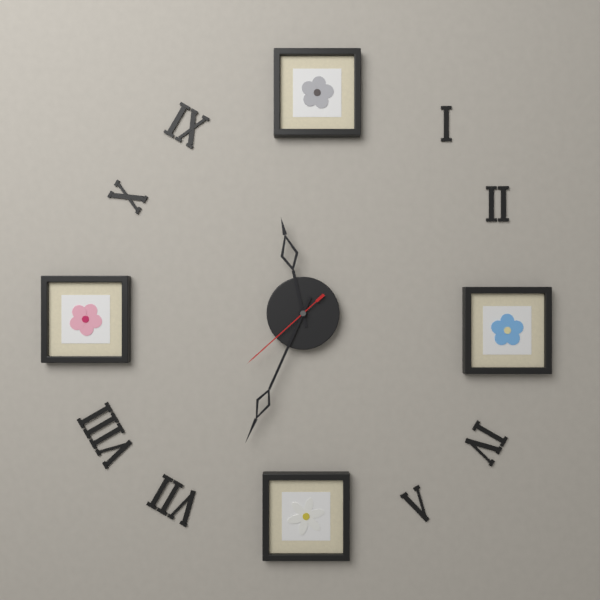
11:34:38
